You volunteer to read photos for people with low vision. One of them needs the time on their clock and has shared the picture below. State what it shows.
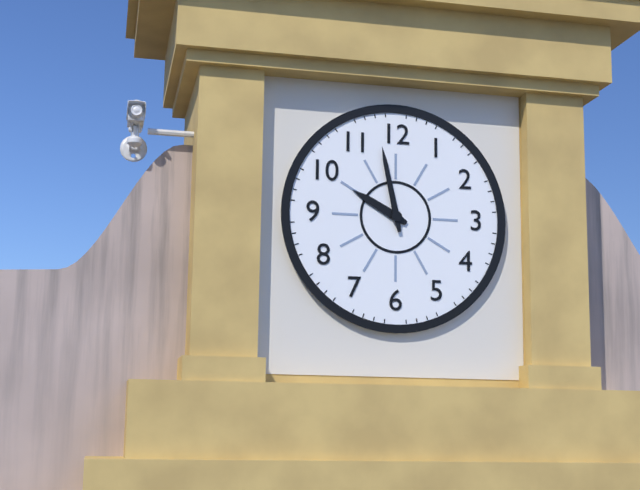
9:58
